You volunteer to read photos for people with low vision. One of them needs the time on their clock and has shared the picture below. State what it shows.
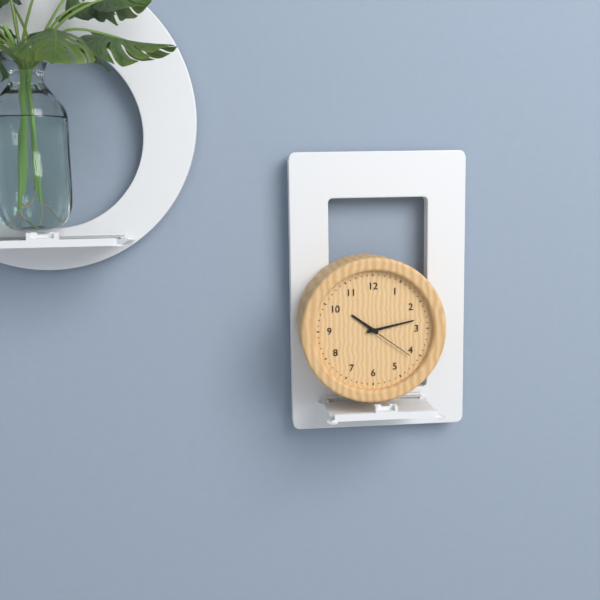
10:13:21
